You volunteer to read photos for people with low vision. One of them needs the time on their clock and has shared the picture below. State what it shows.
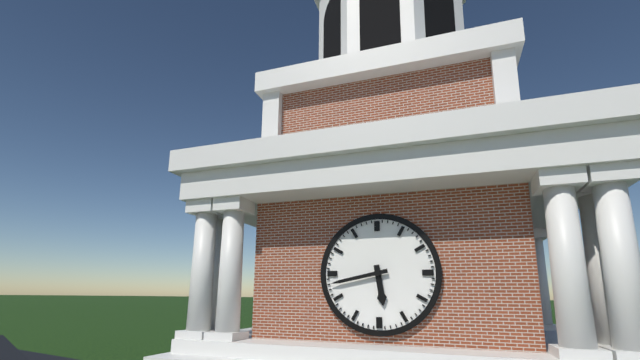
5:43
